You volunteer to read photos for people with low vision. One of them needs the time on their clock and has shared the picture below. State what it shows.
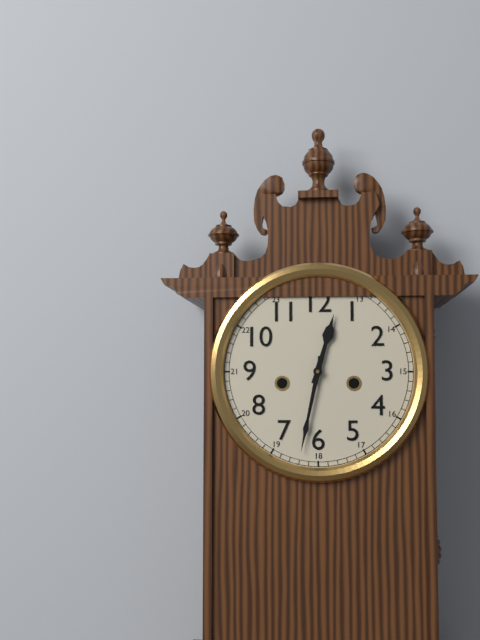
12:32
